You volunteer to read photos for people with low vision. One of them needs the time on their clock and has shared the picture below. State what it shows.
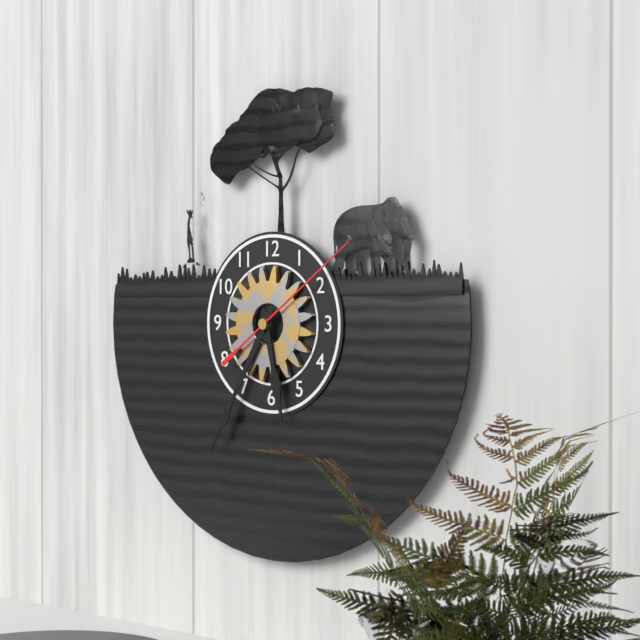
5:35:09
